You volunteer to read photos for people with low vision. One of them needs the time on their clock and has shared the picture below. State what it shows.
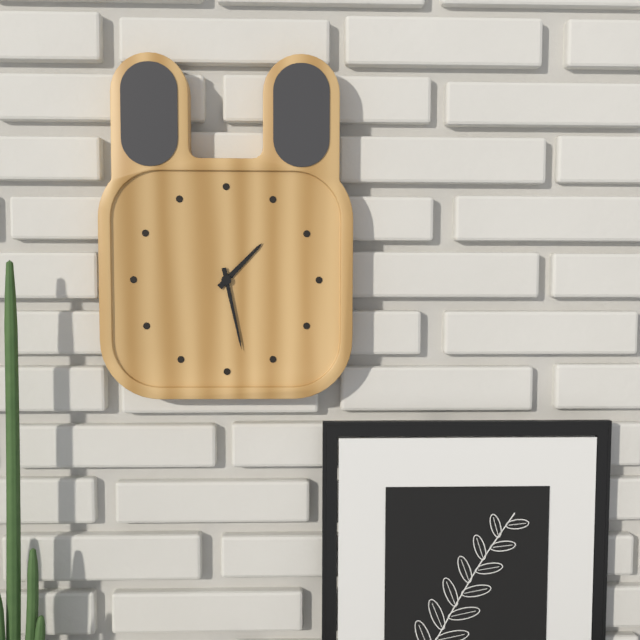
1:28
